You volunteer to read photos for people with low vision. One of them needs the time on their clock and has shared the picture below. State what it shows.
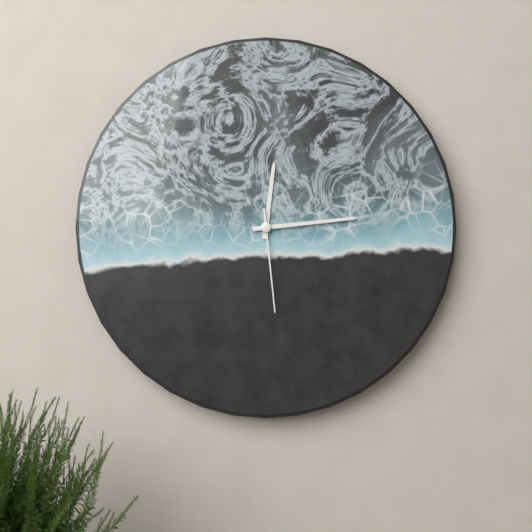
12:14:29
